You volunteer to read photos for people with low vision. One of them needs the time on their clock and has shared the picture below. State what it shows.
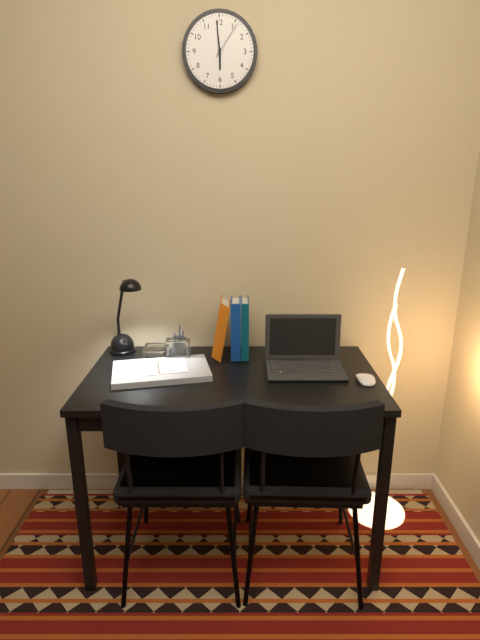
5:59
